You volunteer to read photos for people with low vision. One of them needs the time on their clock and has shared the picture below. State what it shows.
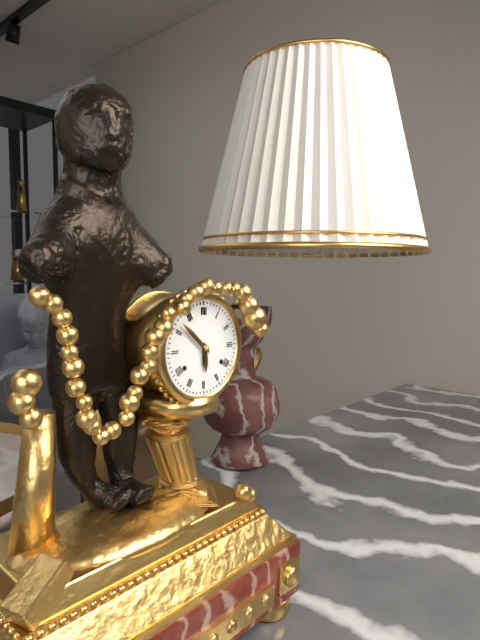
5:52
